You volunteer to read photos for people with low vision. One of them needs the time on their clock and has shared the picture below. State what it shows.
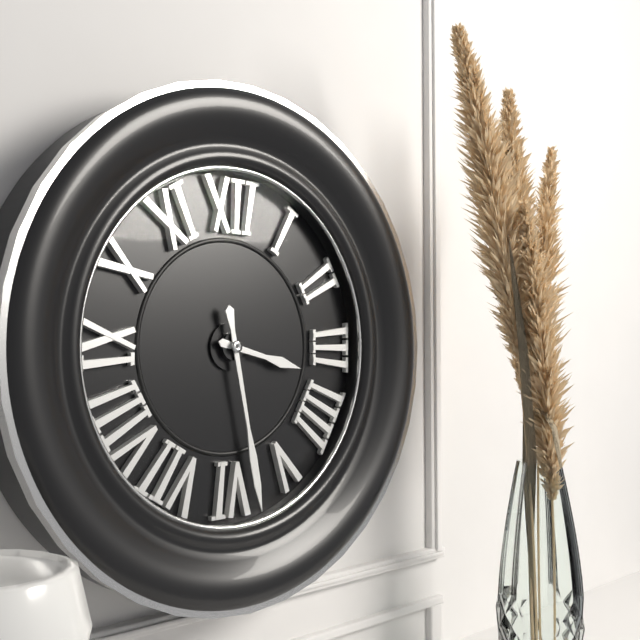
3:28
